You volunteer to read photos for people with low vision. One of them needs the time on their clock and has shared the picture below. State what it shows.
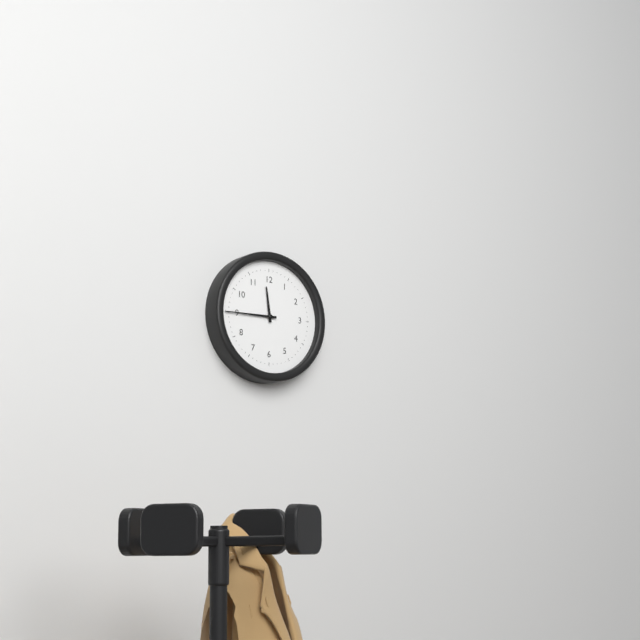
11:45
